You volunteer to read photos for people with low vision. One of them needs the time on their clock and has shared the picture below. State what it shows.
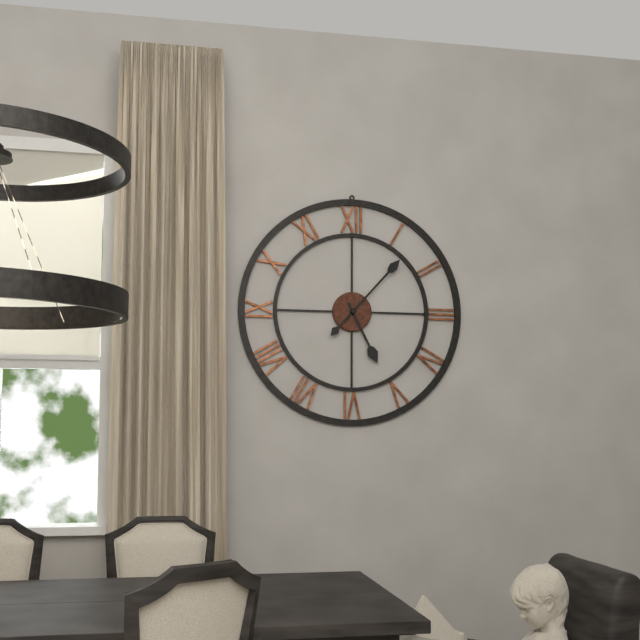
5:07
